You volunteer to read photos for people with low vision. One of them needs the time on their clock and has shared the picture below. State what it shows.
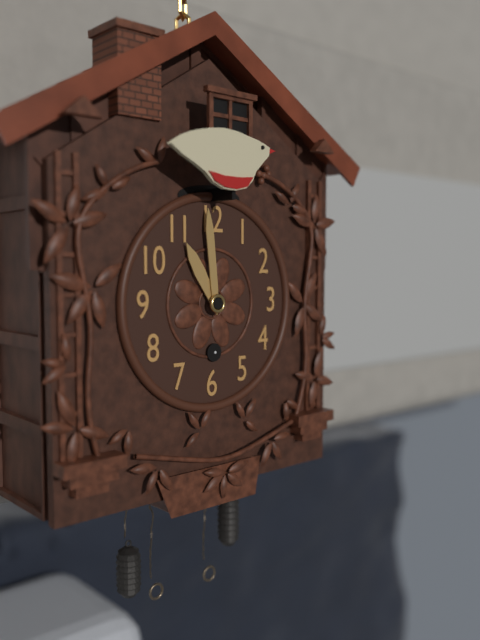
10:59
